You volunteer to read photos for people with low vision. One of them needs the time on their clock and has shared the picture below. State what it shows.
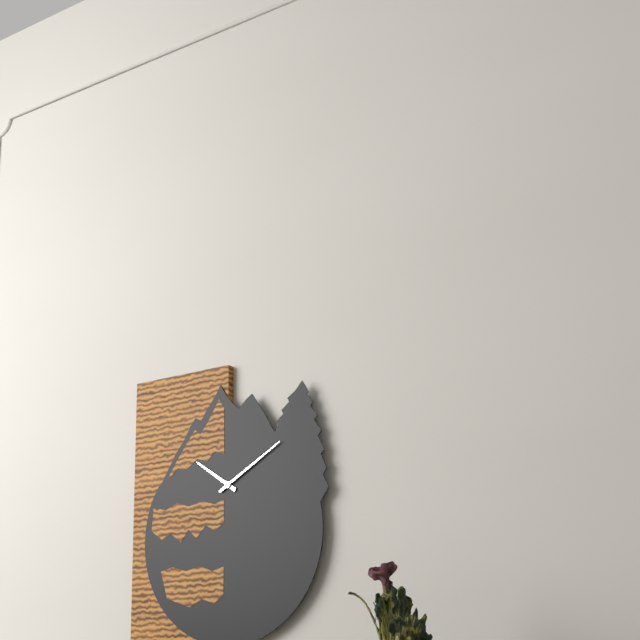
10:10
